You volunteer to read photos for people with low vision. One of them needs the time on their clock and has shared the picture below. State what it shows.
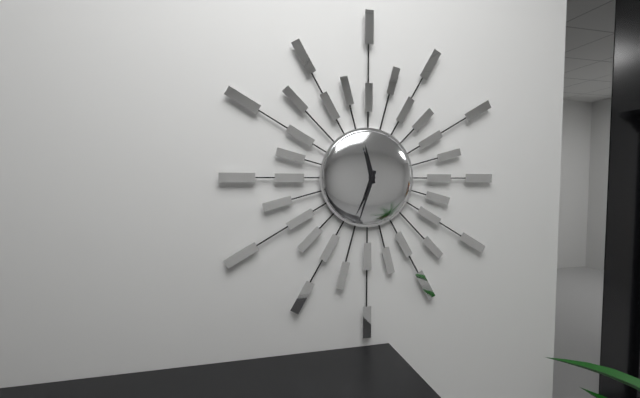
11:33
